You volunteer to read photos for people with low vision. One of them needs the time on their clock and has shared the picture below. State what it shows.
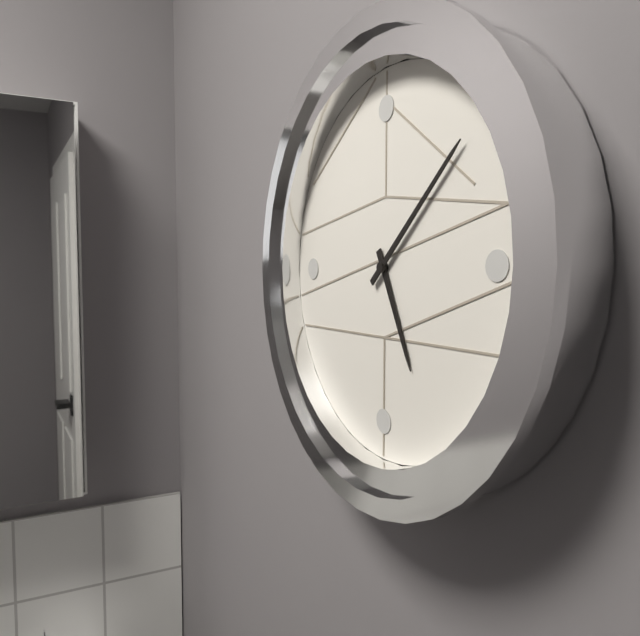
5:08
